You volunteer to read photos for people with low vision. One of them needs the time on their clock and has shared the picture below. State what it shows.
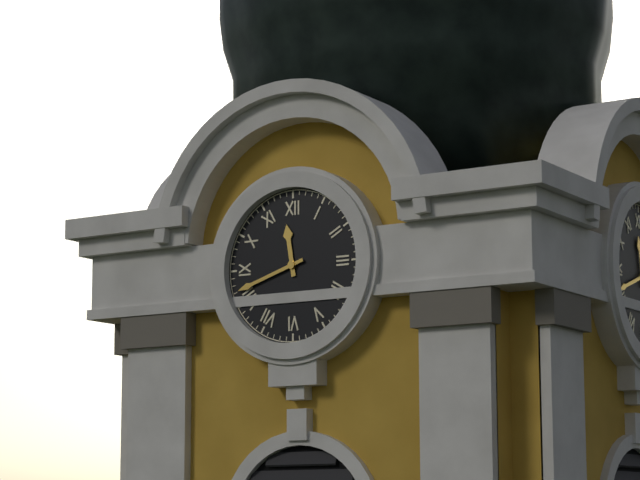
11:42
